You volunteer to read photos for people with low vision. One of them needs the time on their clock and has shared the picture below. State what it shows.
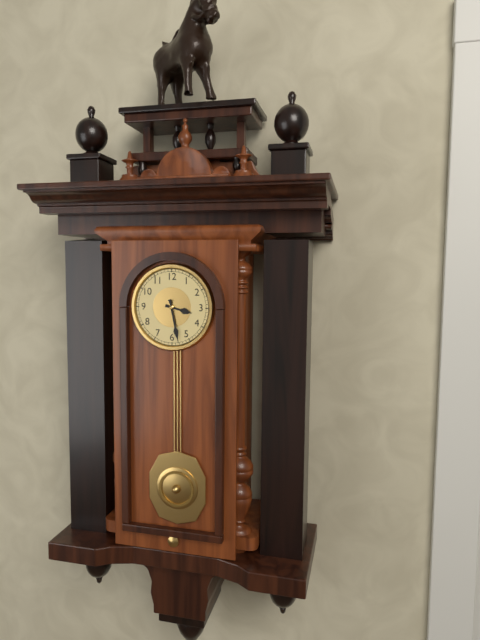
3:28
